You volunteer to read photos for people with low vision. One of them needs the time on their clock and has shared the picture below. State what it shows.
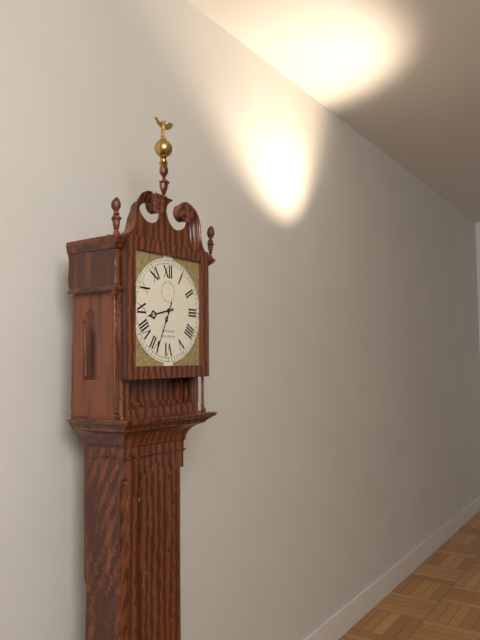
8:34
